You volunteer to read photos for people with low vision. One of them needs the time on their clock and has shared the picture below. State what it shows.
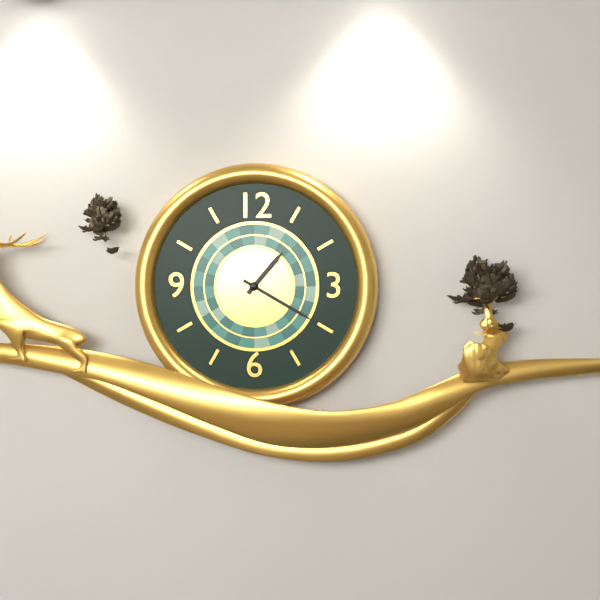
1:20
